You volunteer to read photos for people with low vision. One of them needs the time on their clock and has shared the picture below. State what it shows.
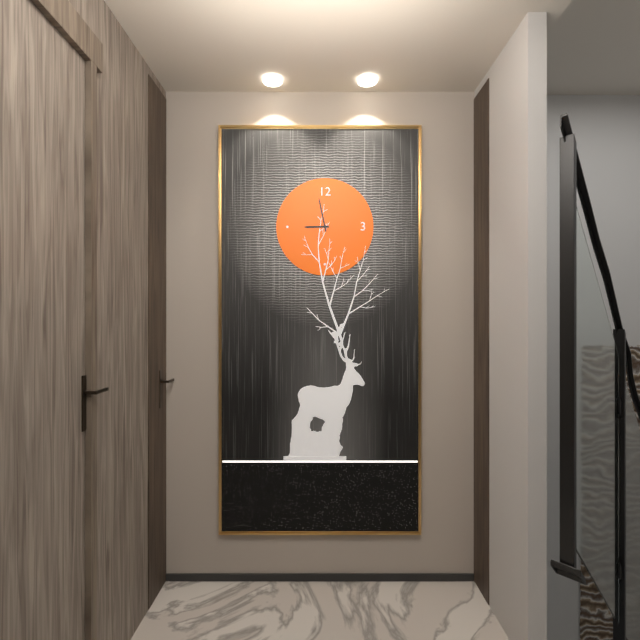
8:58
